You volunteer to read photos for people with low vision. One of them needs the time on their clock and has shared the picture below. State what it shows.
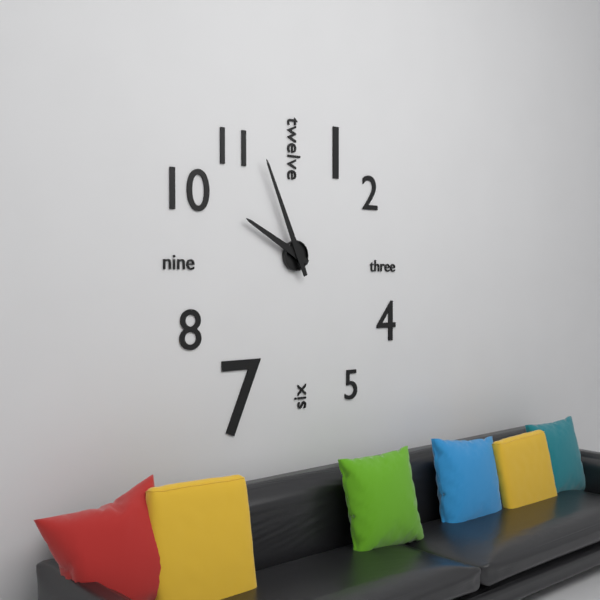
9:56
